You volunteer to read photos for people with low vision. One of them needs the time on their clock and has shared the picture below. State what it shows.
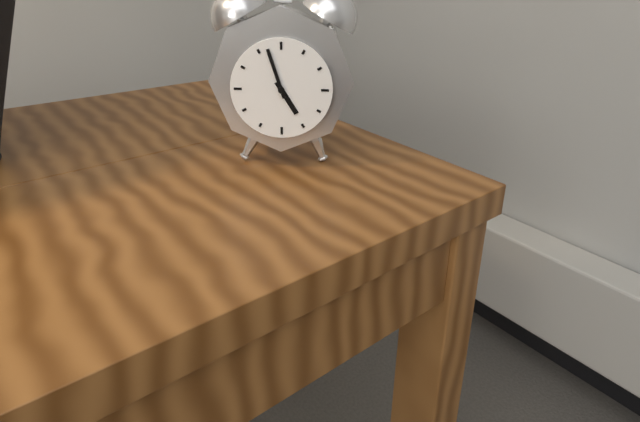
4:57
